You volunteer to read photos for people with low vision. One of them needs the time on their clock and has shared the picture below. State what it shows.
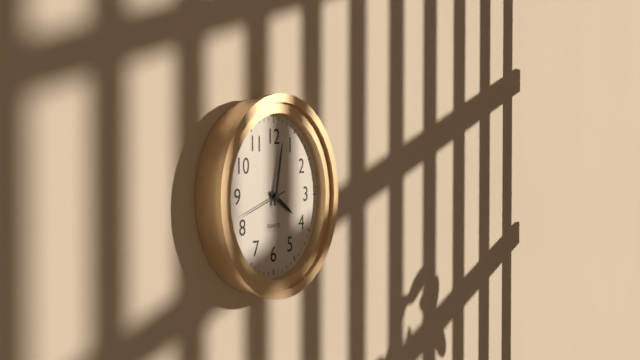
4:02
